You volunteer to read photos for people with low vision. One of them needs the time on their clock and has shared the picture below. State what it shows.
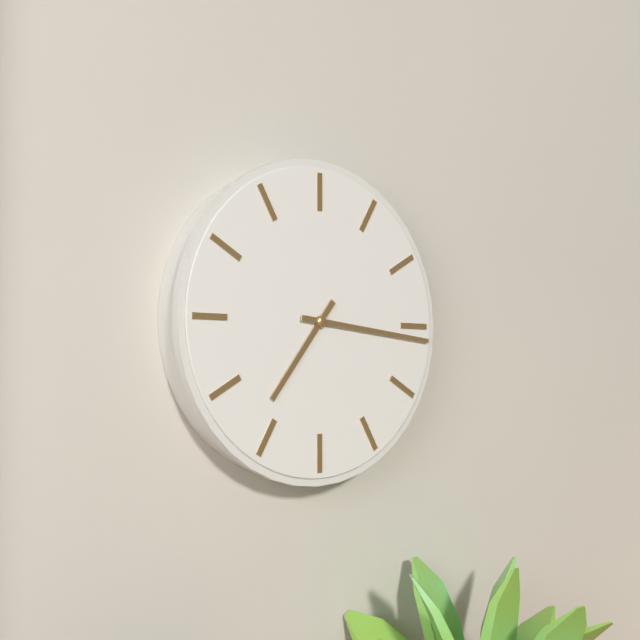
7:16
